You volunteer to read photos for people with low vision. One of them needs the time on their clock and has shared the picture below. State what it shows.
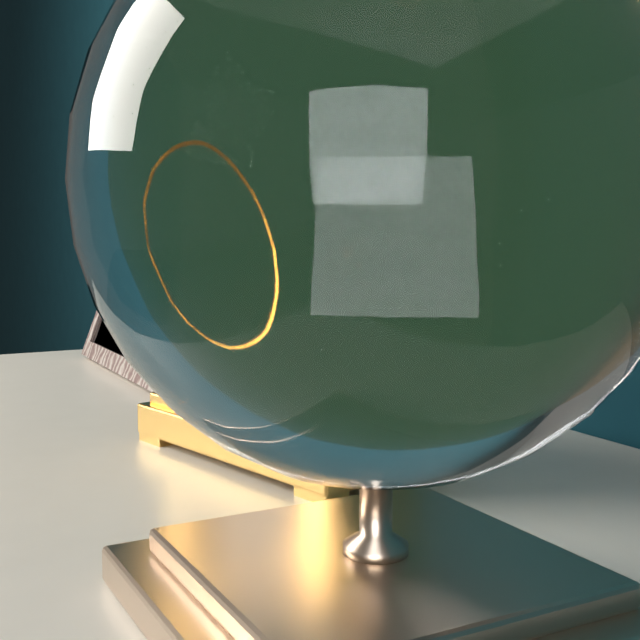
2:11
